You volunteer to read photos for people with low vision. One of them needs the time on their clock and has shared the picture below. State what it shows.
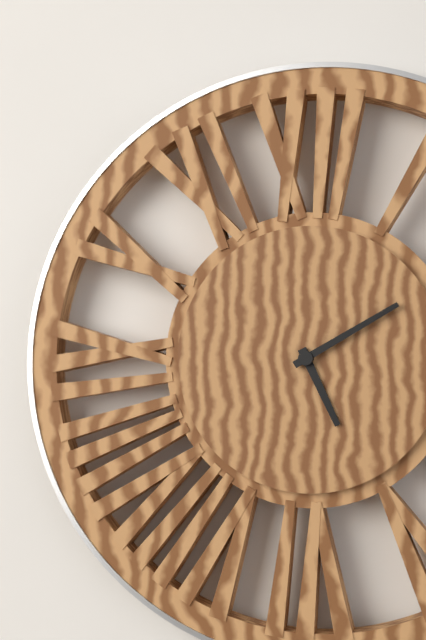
5:10
